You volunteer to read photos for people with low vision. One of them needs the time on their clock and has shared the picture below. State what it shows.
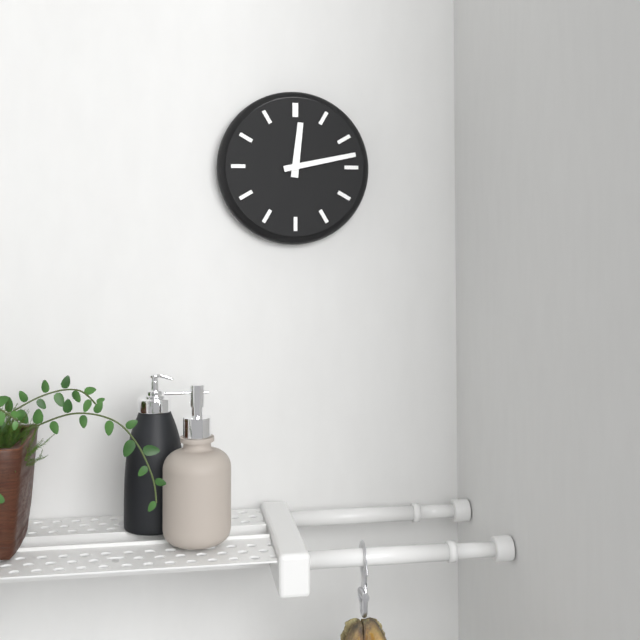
12:13
